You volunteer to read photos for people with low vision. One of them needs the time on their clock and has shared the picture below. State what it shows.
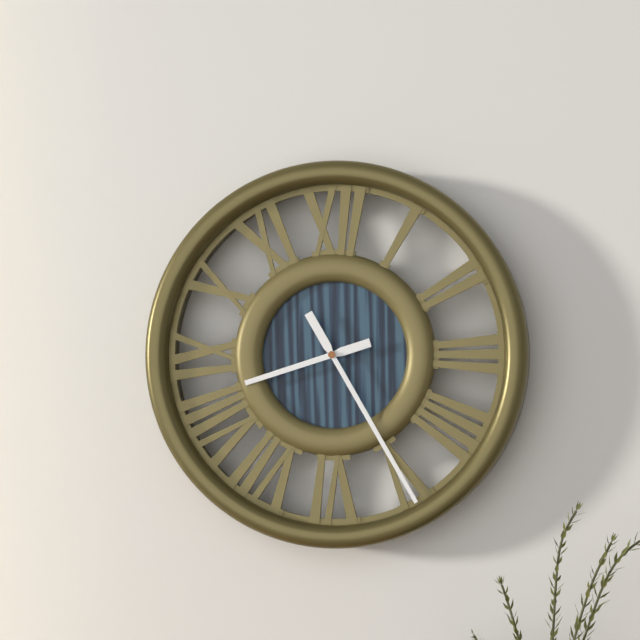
8:25
